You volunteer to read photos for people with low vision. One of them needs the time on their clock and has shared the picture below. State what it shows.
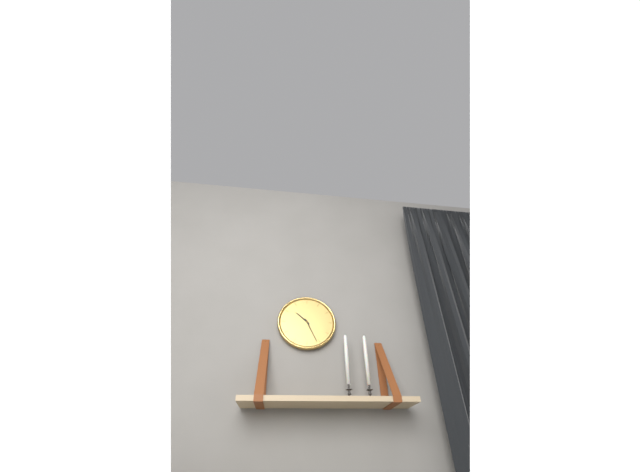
10:26
